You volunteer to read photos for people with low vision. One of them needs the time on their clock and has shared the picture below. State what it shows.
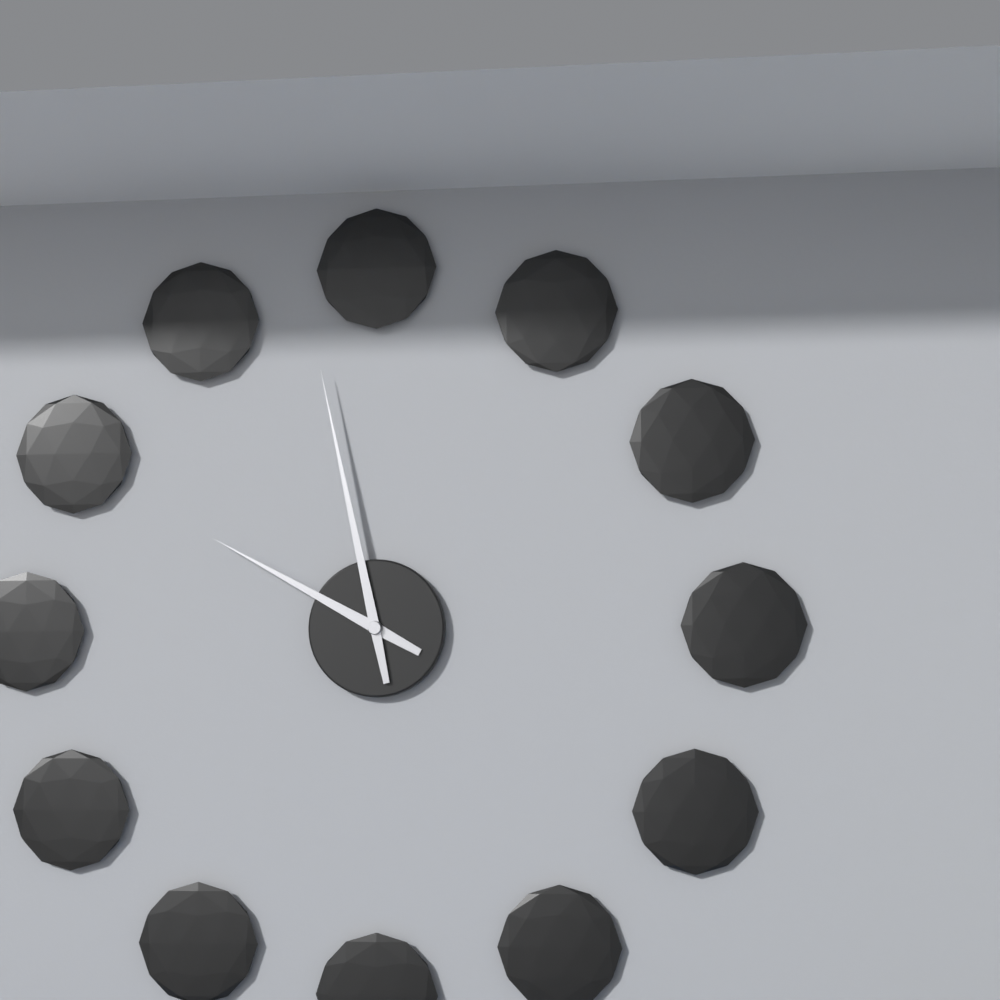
9:58
